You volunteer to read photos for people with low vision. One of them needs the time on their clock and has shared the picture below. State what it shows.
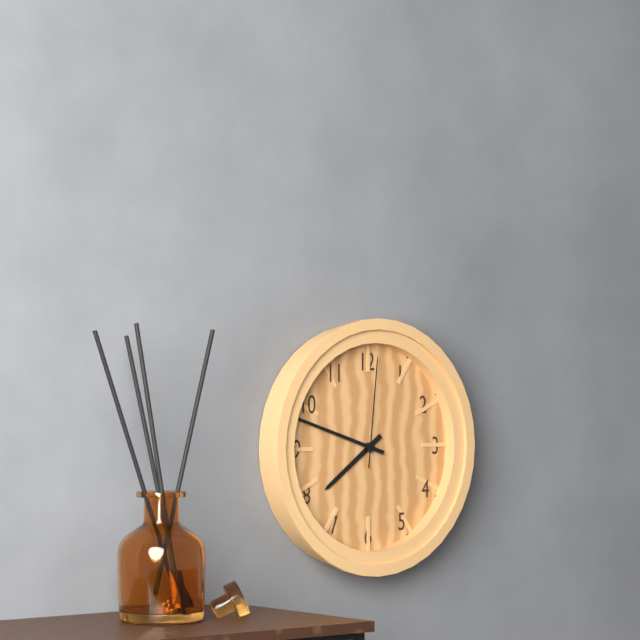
7:48:01
